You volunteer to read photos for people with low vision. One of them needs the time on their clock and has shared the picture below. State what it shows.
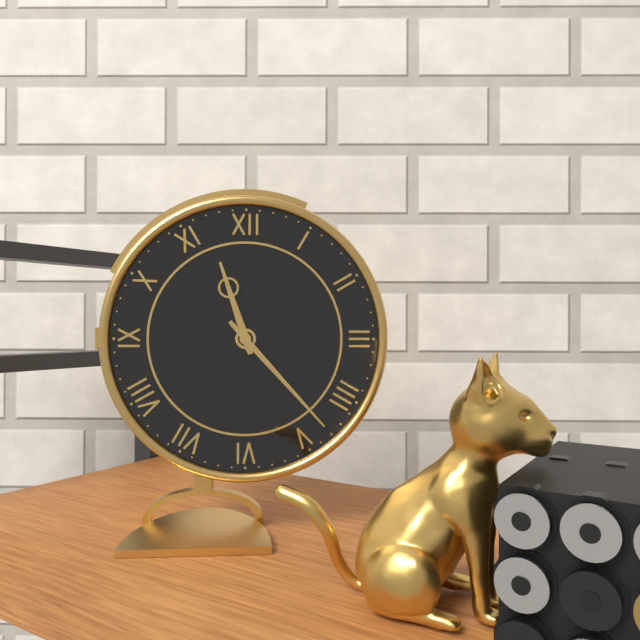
11:23
